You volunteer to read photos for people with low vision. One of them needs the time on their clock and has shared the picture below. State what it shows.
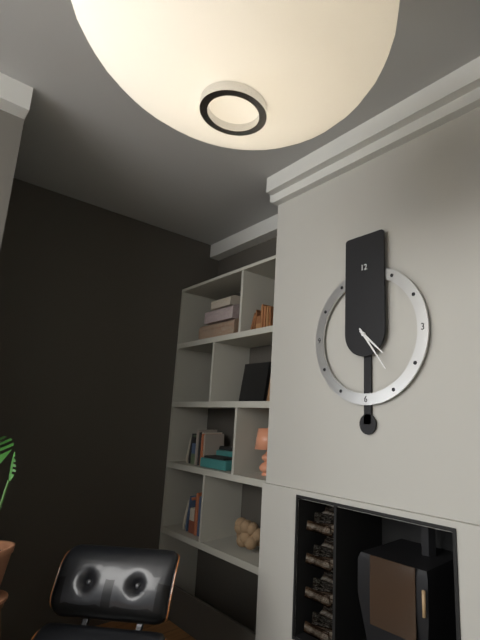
4:24
